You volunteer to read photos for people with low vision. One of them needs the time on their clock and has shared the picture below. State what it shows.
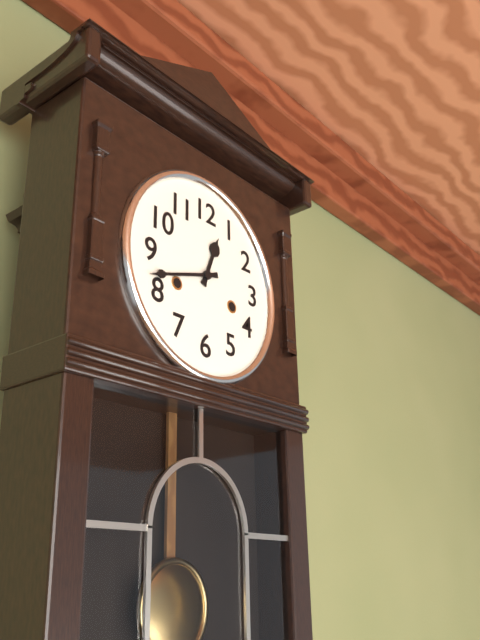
12:42
